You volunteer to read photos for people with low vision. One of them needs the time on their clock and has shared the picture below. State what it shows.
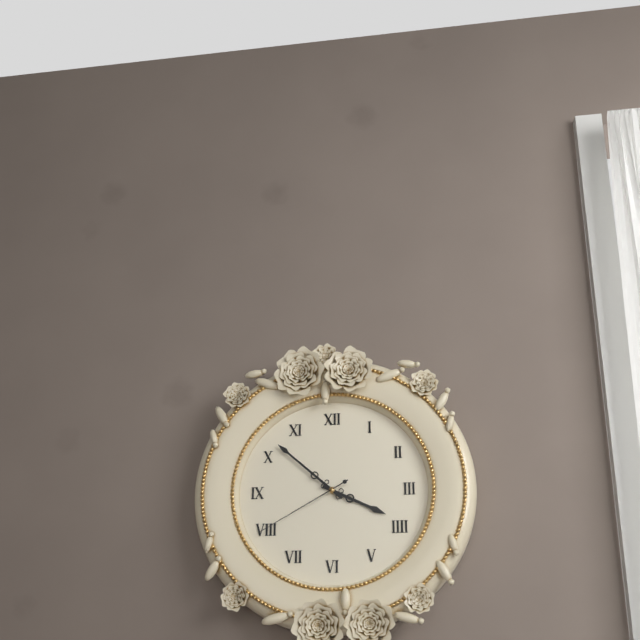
3:52:40
